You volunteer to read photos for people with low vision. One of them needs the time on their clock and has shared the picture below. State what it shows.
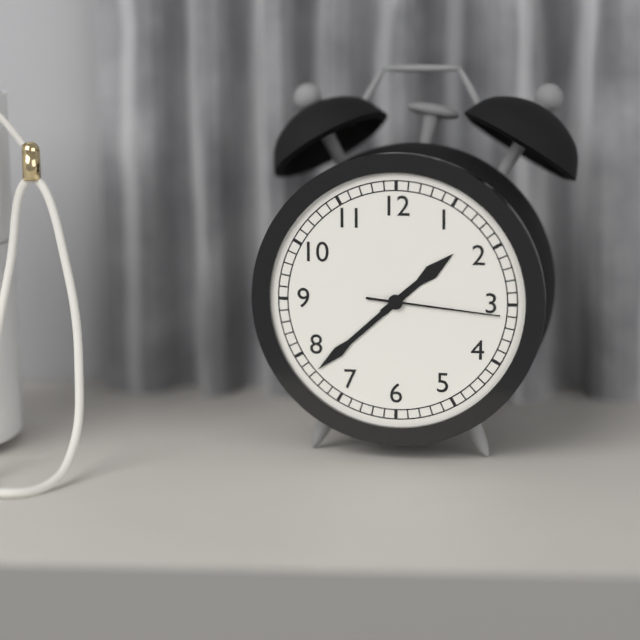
1:38:16
